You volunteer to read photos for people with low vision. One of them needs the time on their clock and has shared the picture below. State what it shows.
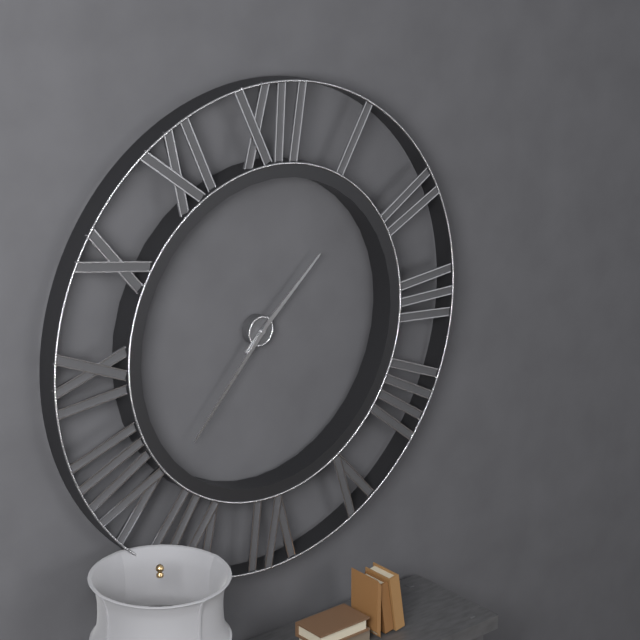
1:37
